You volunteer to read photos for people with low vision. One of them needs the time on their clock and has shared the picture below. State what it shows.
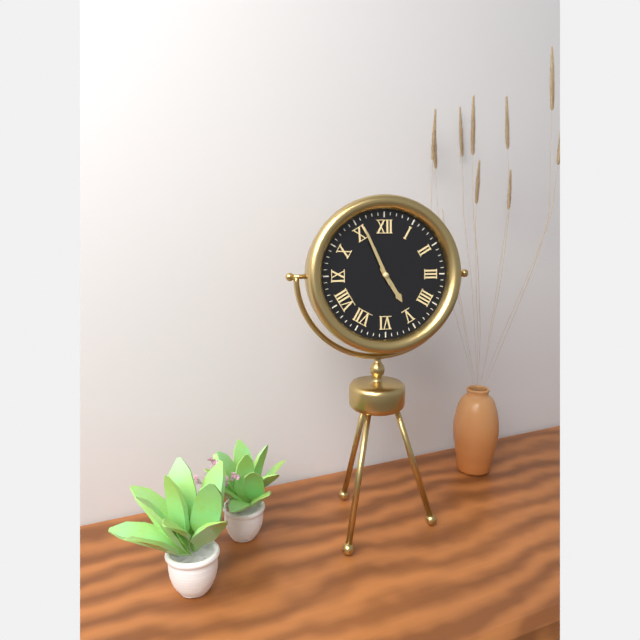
4:56
